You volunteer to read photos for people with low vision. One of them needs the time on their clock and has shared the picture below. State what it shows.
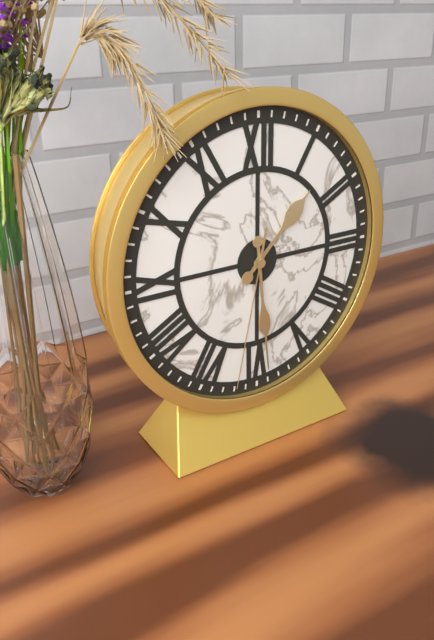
1:29:32
